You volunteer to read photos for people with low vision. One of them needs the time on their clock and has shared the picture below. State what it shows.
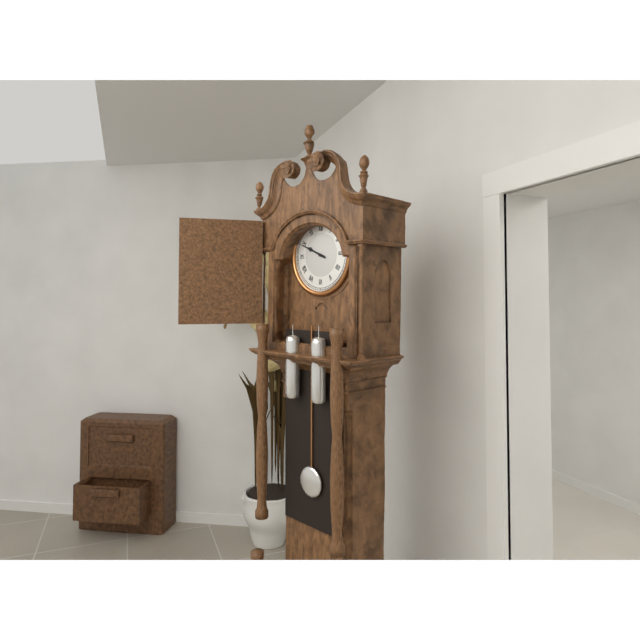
9:49
